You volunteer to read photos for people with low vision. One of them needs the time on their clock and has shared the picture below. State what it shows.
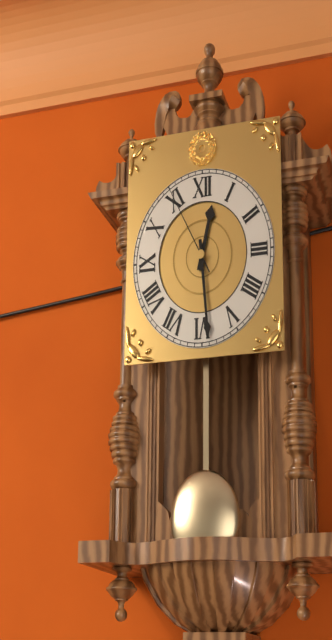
12:29:55
